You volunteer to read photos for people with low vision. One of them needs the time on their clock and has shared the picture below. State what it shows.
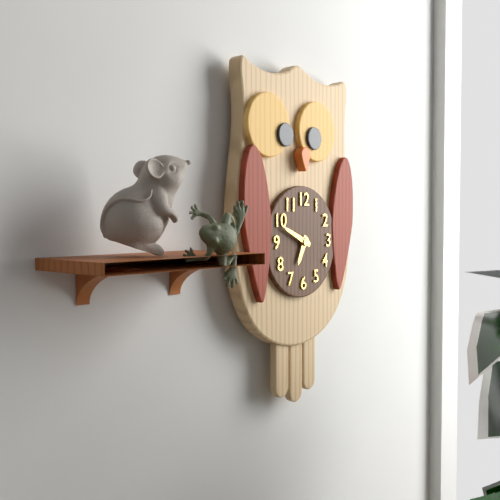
6:49
